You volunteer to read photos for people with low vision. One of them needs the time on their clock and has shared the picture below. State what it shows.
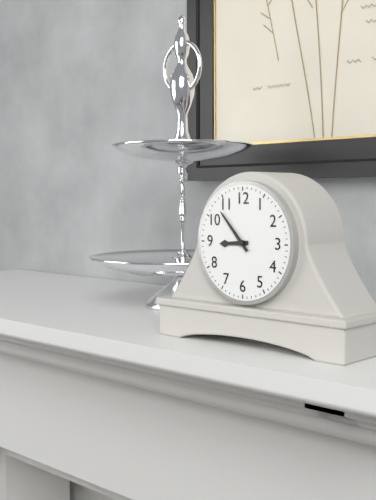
8:53
